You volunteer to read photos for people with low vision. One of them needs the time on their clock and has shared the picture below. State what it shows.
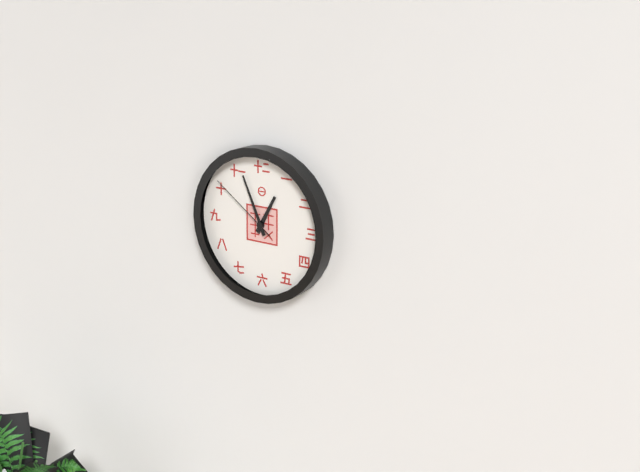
12:56:51
